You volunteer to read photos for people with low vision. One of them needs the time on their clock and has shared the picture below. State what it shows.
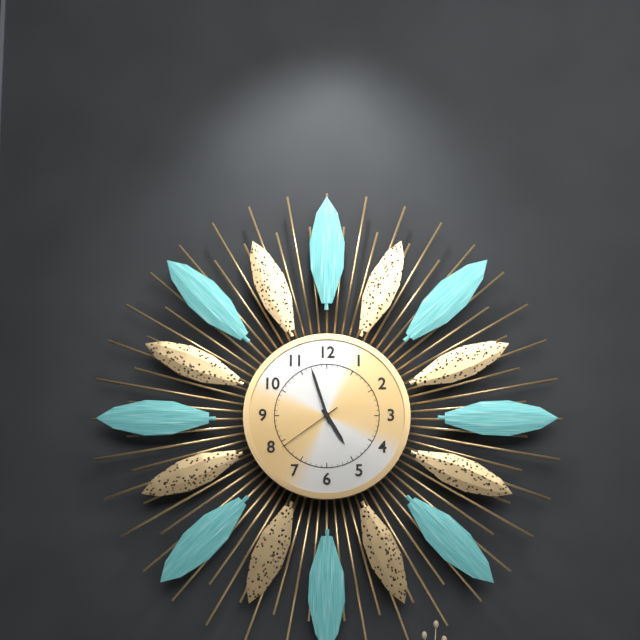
4:57:39
